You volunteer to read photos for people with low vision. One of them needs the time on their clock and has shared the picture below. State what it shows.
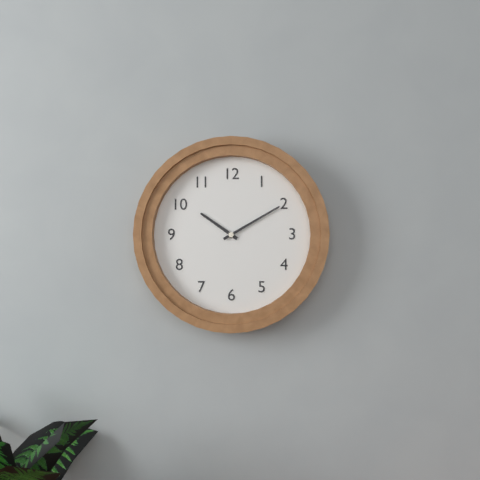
10:10
